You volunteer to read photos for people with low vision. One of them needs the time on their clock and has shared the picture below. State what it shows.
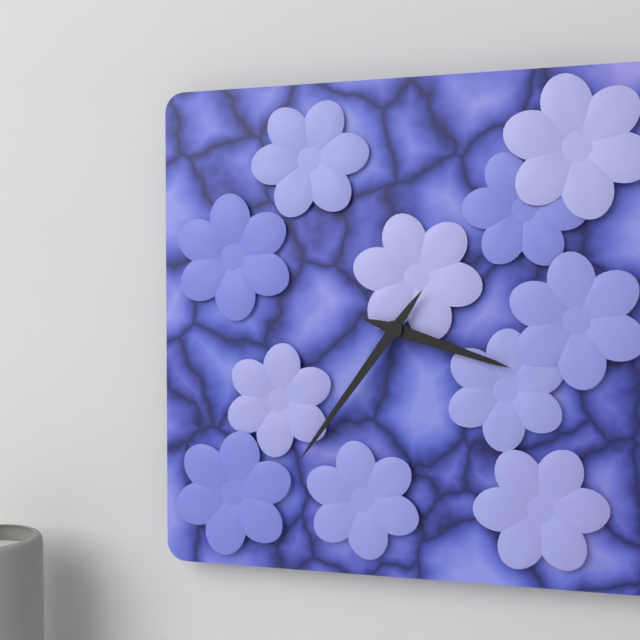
3:36
